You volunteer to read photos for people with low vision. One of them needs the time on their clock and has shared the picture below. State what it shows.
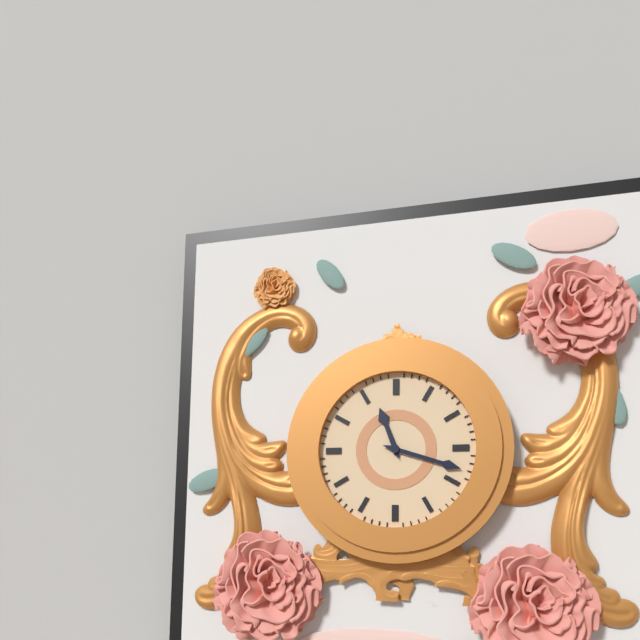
11:18
